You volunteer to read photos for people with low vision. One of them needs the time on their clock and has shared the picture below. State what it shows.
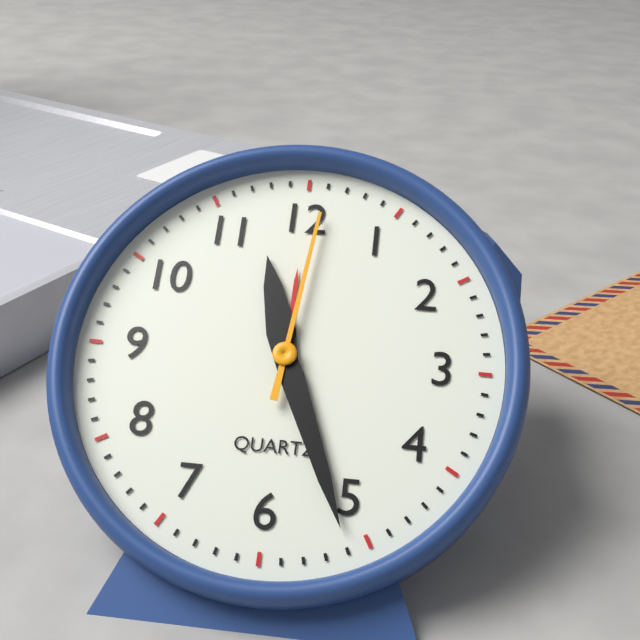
11:26:01
